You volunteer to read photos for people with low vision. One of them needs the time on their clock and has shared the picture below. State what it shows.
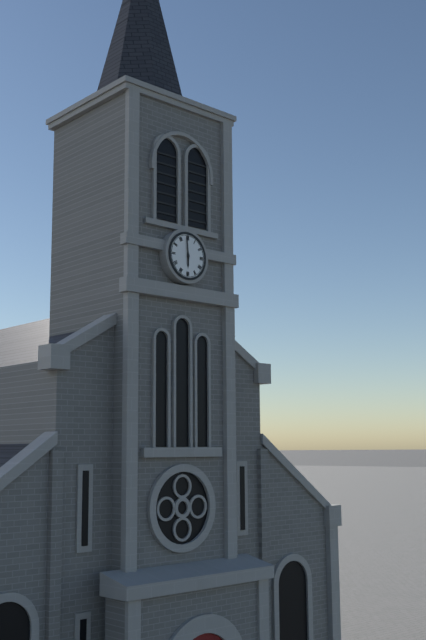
5:59
